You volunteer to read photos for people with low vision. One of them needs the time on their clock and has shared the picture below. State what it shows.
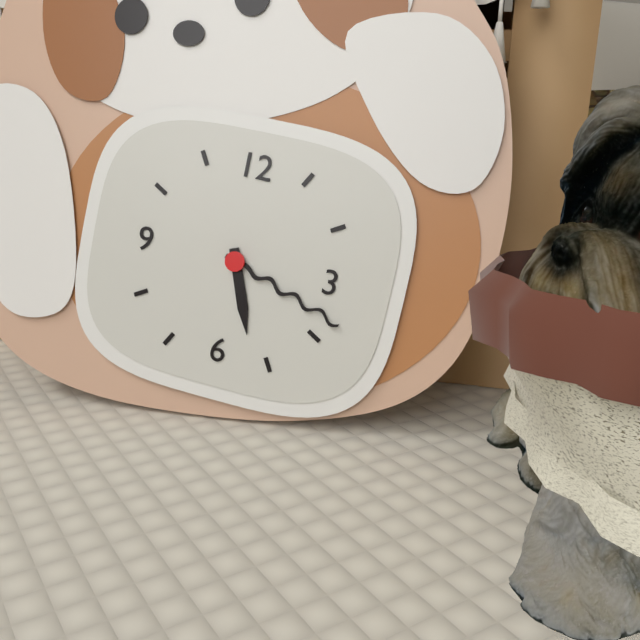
5:18
